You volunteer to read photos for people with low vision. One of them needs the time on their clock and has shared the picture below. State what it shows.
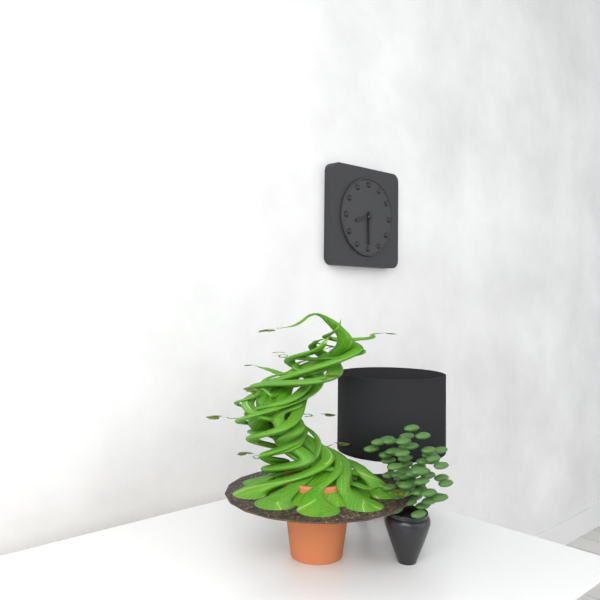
8:30
